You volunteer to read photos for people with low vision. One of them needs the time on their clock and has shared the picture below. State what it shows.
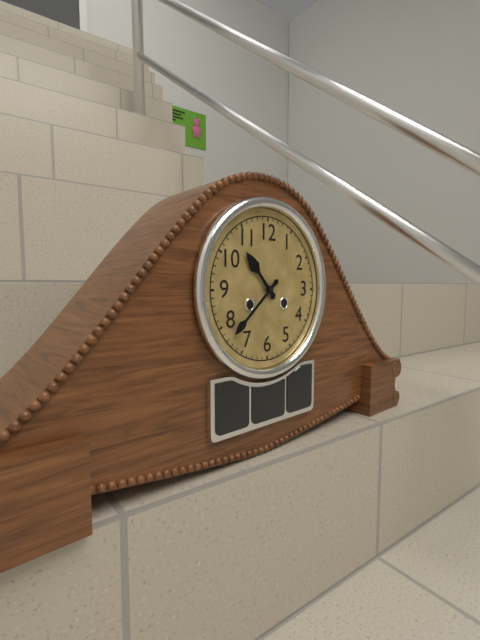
10:38
